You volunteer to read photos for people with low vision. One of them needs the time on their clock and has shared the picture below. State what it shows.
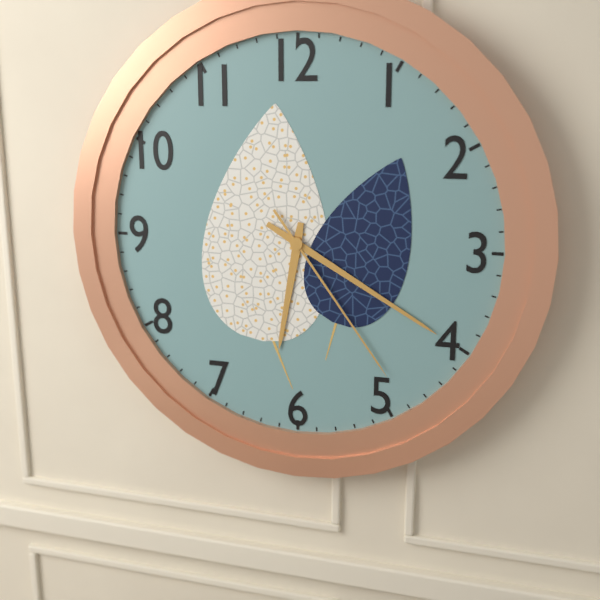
6:20:24
